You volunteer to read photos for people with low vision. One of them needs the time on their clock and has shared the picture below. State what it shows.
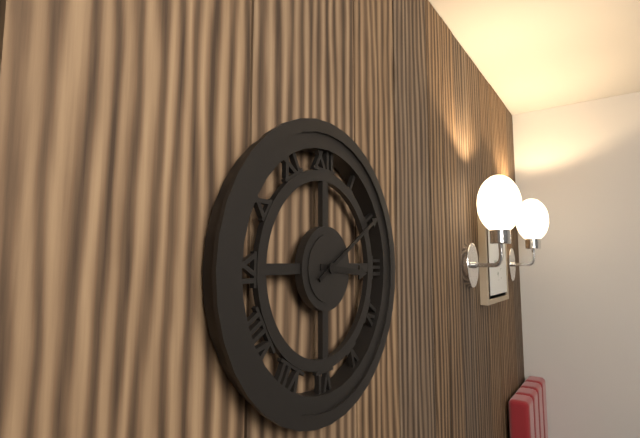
3:10
